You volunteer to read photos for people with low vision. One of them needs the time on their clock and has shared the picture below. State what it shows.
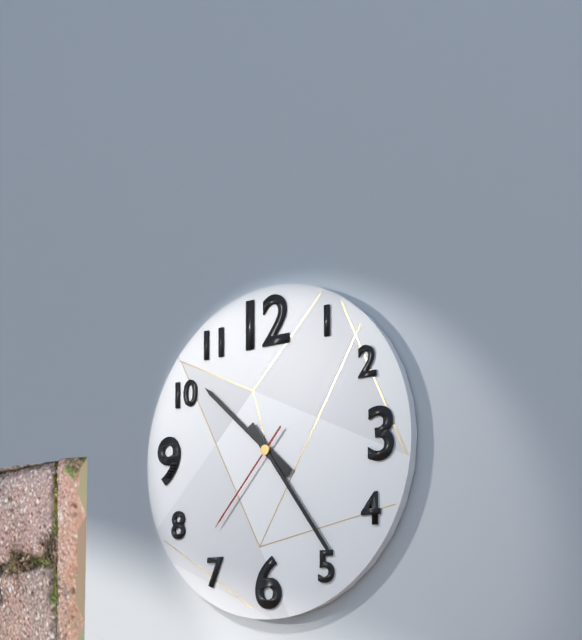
10:24:37
